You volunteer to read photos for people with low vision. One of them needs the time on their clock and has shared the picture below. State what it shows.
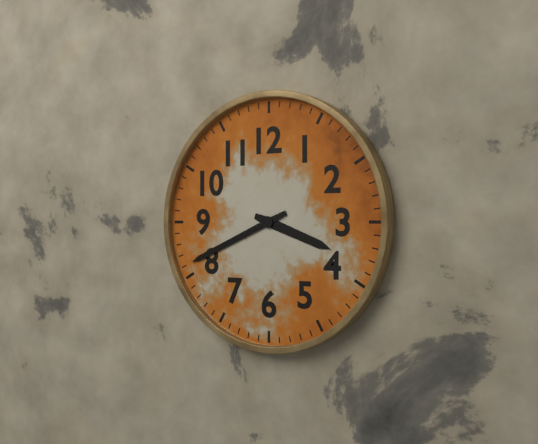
3:41
